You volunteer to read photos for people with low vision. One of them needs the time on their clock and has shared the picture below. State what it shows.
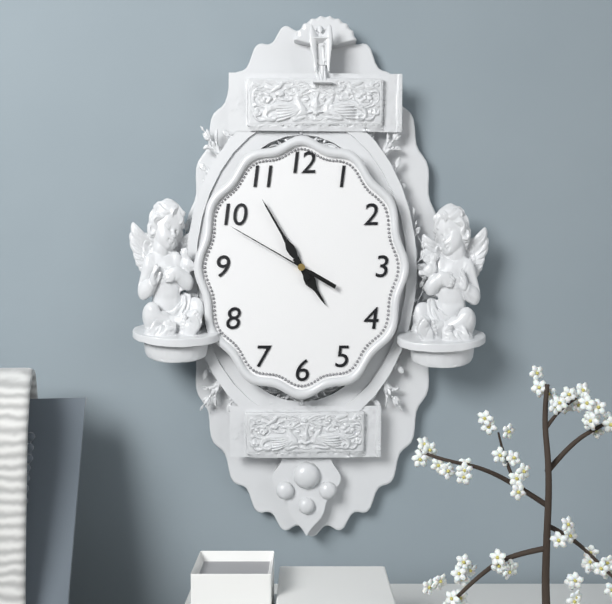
4:55:50
